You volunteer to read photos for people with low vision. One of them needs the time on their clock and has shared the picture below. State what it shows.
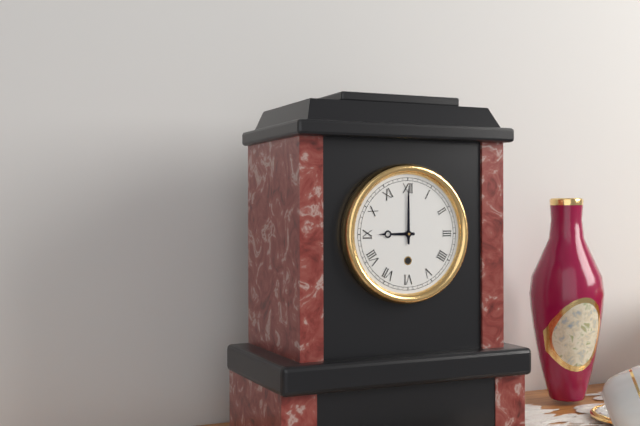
9:00
